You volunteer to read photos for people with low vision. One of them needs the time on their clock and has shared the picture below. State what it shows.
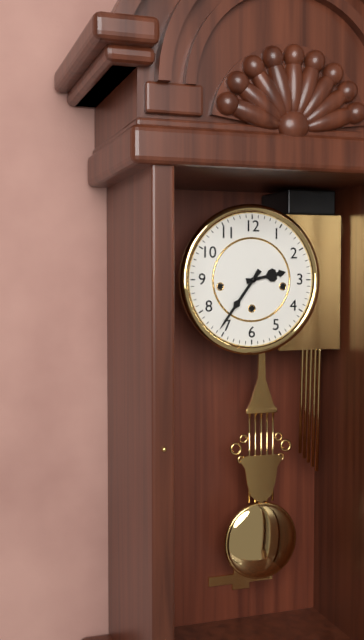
2:36
